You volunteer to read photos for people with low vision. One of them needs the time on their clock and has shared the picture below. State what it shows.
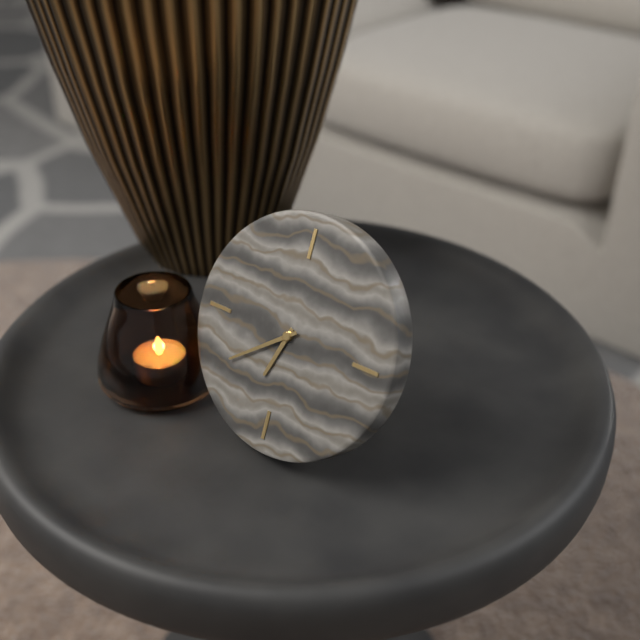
6:39
